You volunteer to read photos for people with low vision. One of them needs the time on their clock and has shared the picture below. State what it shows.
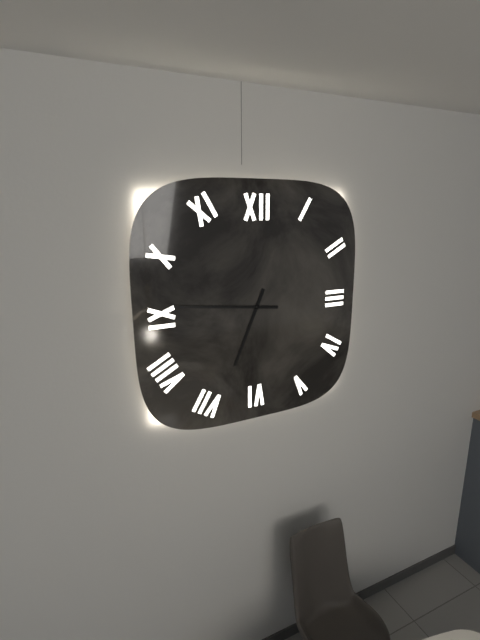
6:46
